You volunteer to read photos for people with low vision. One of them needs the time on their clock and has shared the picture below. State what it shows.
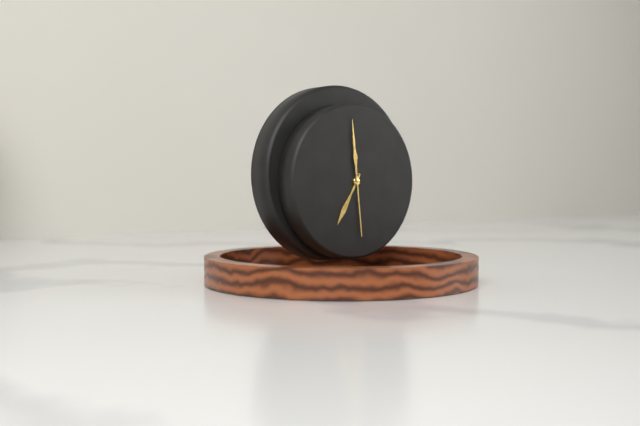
6:59
